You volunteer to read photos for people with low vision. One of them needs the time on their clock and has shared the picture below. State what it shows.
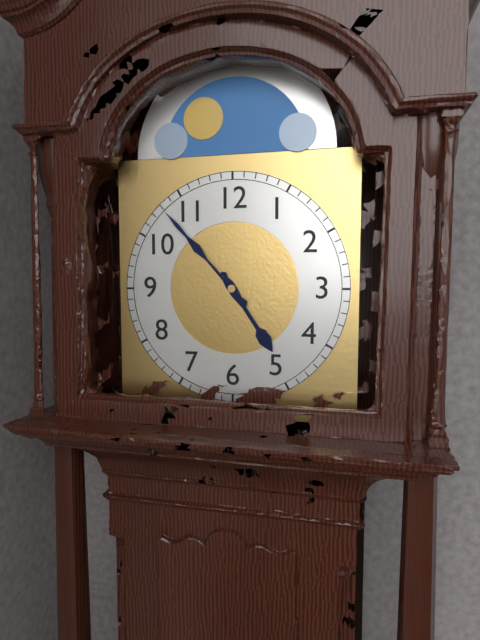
4:53
